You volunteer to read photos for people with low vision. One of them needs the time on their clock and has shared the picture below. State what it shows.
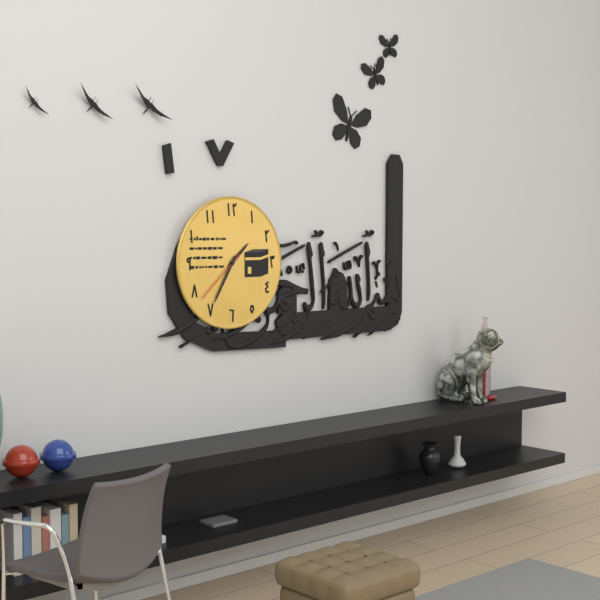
1:35:38
